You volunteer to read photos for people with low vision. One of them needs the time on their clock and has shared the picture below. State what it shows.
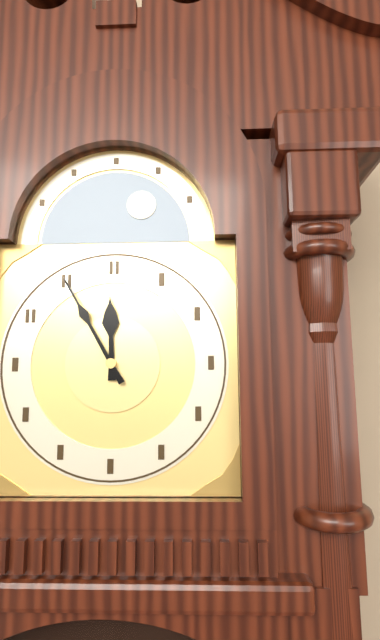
11:55
